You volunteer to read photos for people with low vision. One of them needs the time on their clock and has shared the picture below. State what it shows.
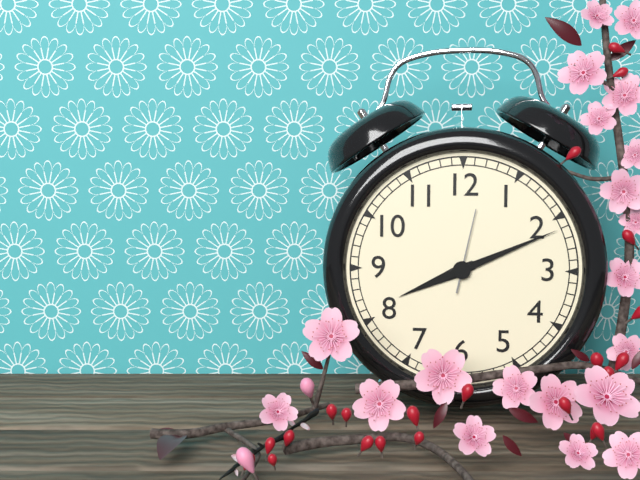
8:11:02
